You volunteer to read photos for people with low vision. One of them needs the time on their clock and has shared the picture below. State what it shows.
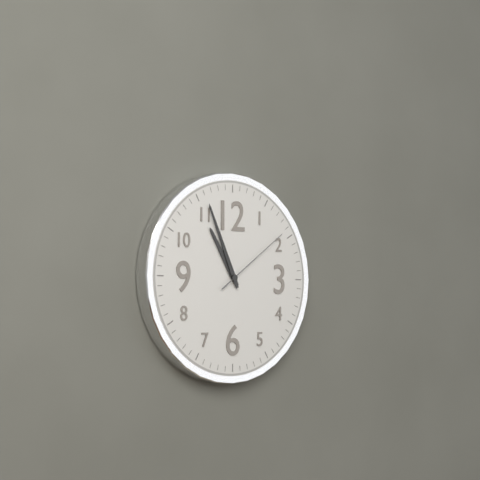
10:56:09
